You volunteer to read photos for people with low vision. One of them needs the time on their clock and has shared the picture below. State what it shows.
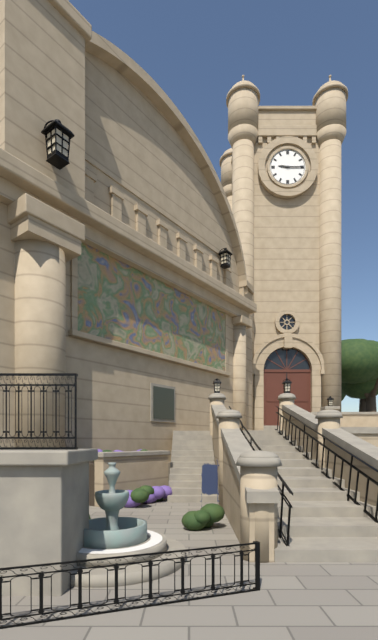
9:15
